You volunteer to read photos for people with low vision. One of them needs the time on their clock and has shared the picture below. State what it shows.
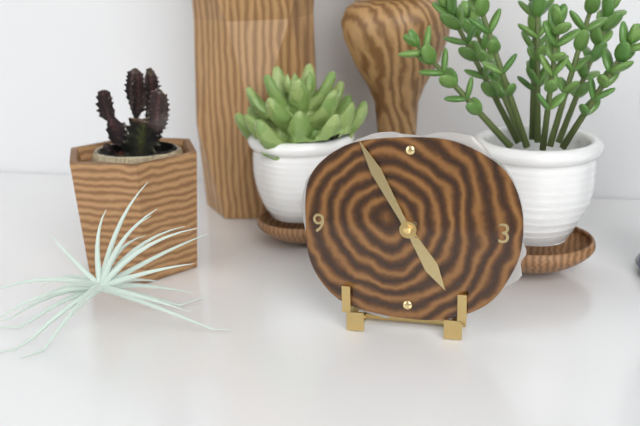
4:55
